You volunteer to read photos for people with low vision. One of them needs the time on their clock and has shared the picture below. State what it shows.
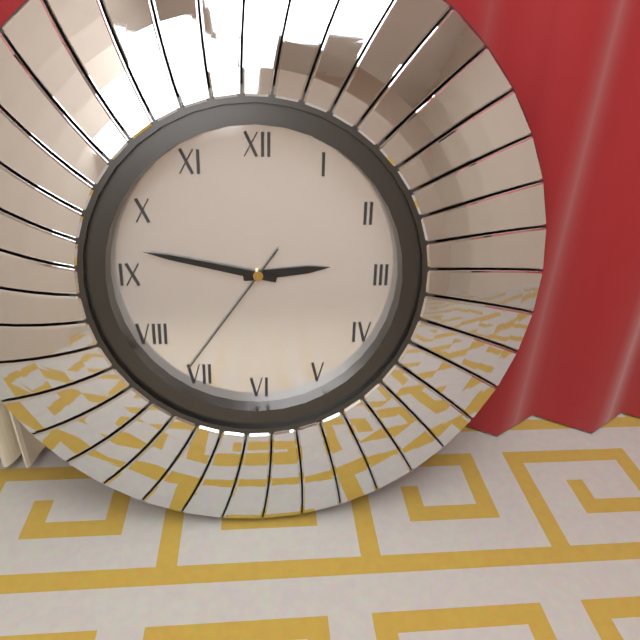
2:47:36
